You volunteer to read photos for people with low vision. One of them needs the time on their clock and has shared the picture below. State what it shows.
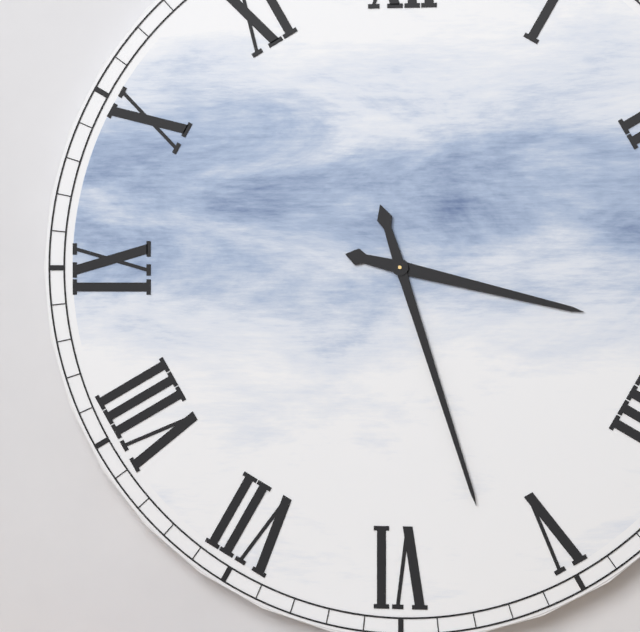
3:27
